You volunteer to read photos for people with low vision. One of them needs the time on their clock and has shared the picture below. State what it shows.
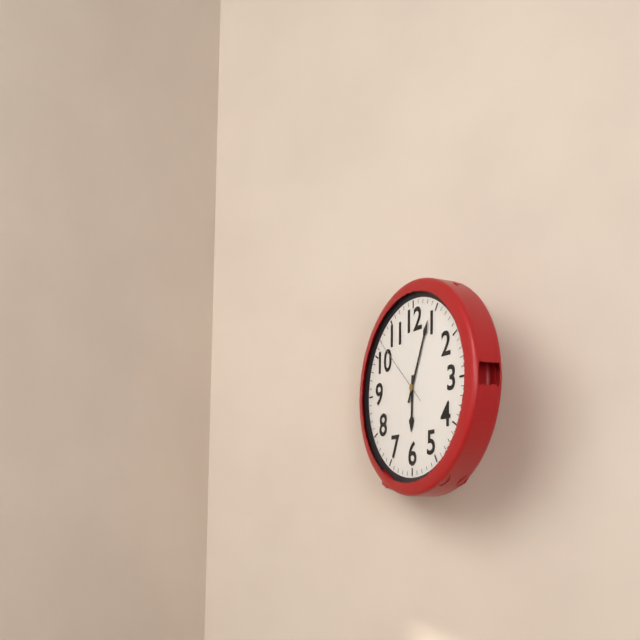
6:04:52
